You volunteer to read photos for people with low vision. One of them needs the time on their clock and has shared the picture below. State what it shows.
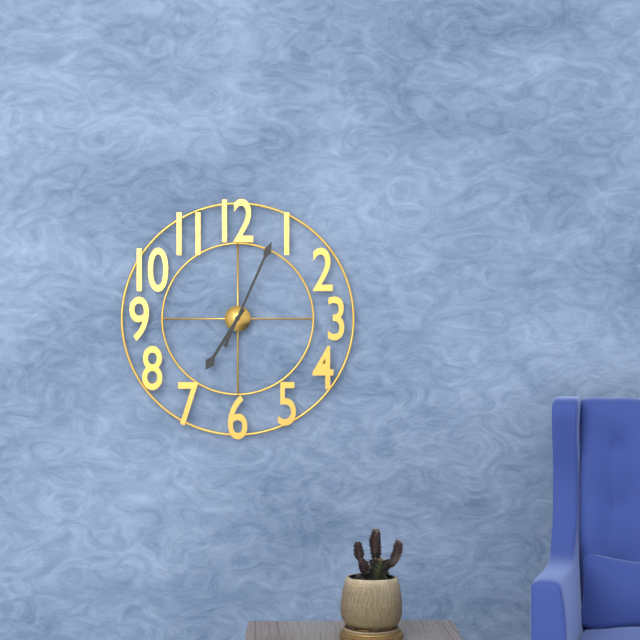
7:04
